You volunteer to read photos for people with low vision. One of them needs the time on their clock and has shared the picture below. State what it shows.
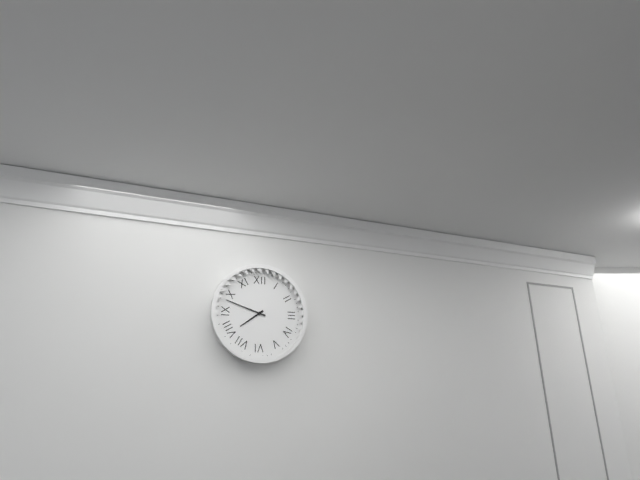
7:48
